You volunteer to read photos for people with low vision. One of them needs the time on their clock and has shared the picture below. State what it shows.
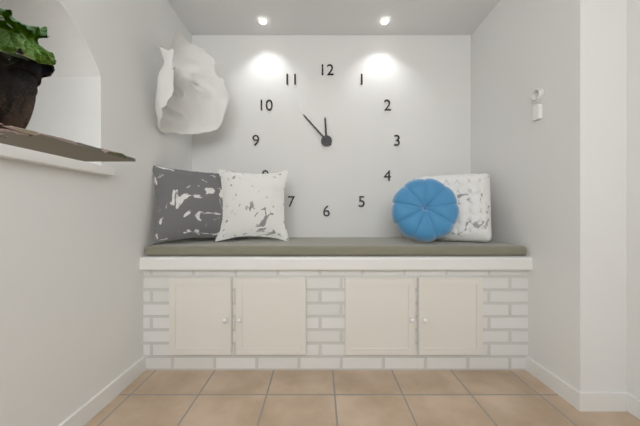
11:53
